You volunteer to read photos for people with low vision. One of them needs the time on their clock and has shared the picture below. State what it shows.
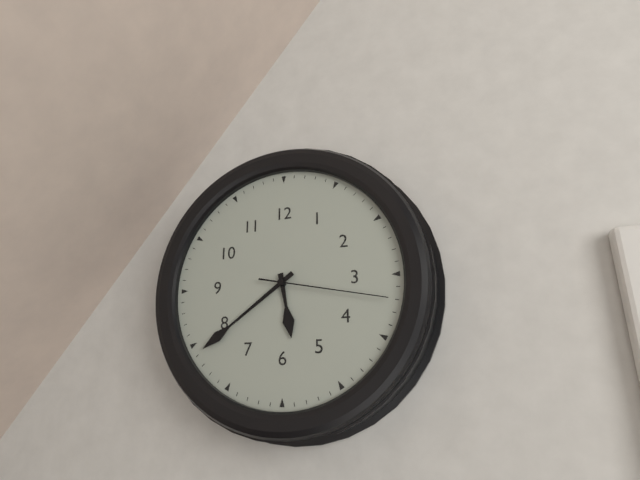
5:39:17
